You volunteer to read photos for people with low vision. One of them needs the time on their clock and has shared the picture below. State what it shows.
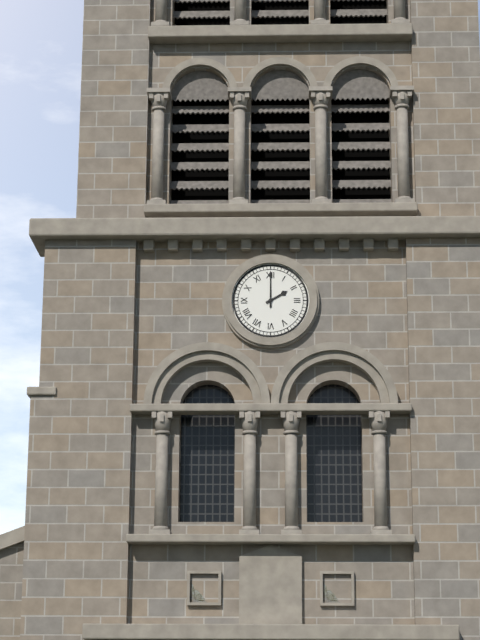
2:00
